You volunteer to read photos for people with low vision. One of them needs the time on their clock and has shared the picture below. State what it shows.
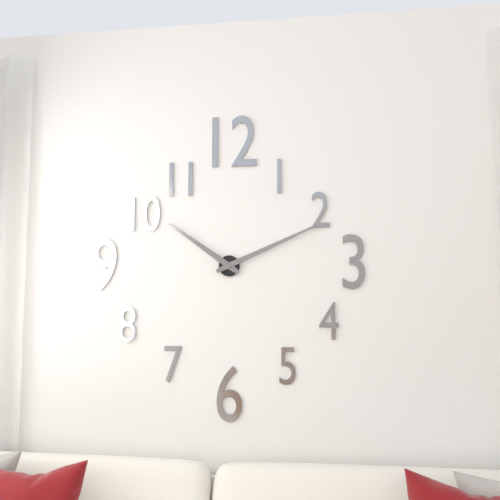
10:11
